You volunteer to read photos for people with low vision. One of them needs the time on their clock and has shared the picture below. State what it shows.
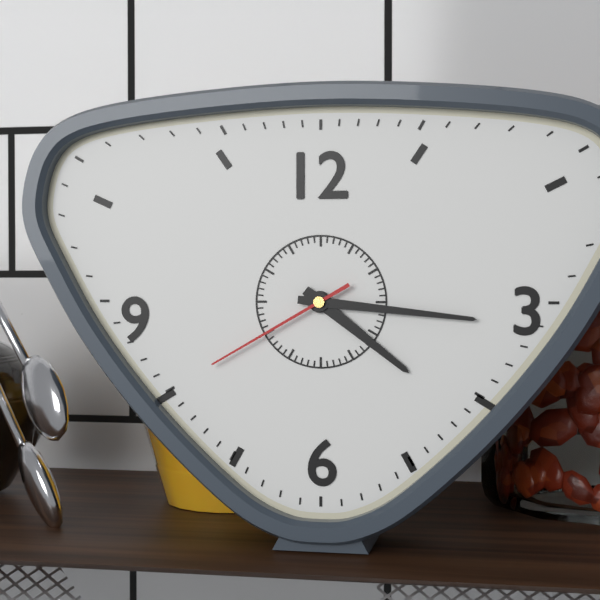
4:16:40
